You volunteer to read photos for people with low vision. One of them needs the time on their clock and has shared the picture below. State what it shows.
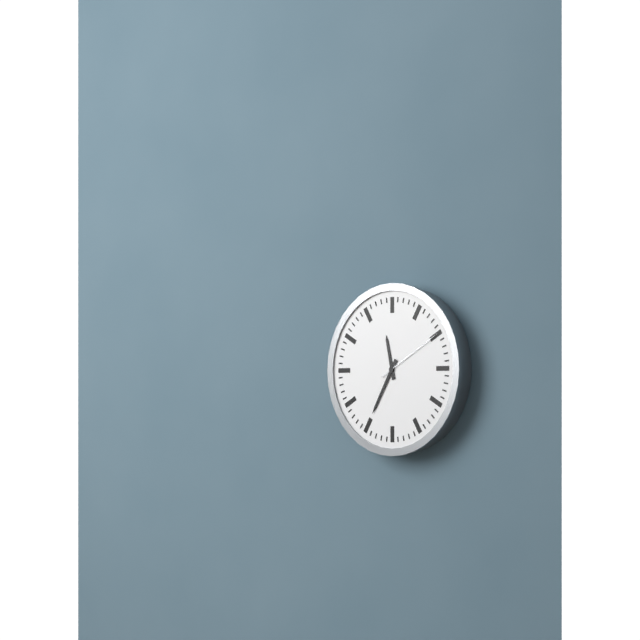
11:35:10
